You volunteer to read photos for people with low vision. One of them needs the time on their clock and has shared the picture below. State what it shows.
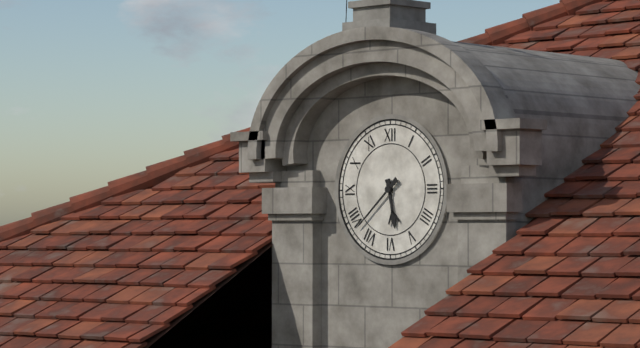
5:38
